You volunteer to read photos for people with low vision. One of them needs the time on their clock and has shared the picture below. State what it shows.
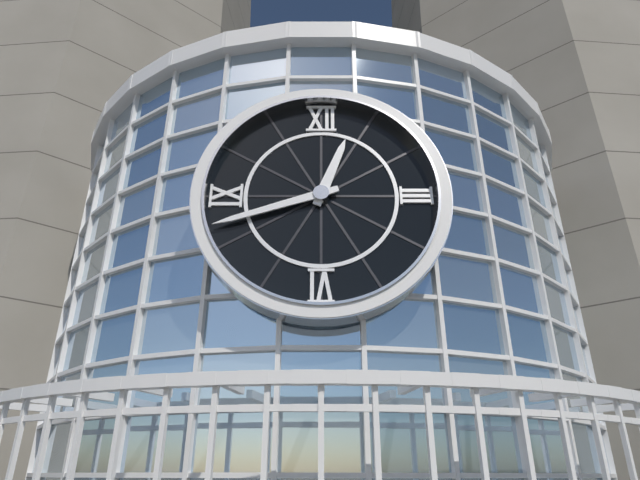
12:42
